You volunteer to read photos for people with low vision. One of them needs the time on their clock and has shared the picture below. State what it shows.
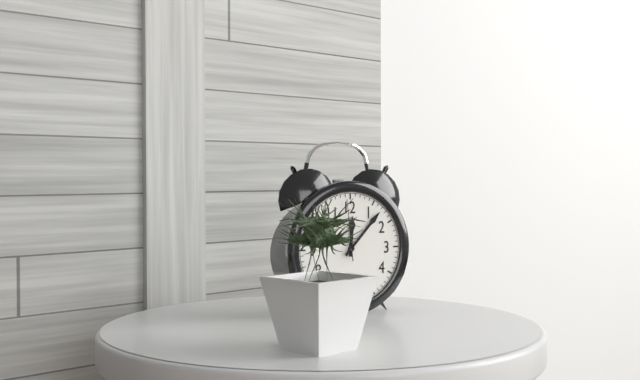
12:07:59
